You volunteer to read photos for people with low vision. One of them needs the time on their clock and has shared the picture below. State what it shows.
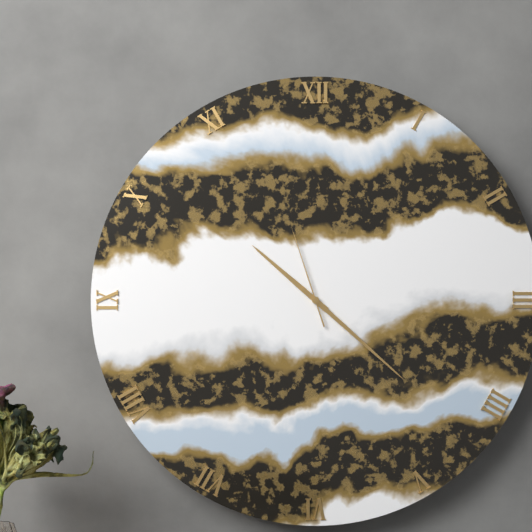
10:22:57
